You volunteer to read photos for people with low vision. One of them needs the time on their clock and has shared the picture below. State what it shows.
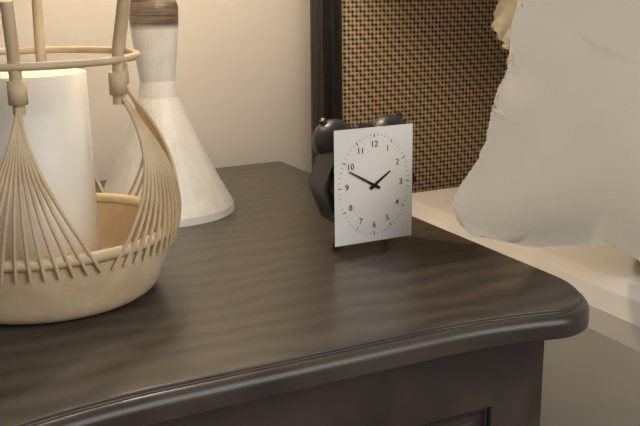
1:50
